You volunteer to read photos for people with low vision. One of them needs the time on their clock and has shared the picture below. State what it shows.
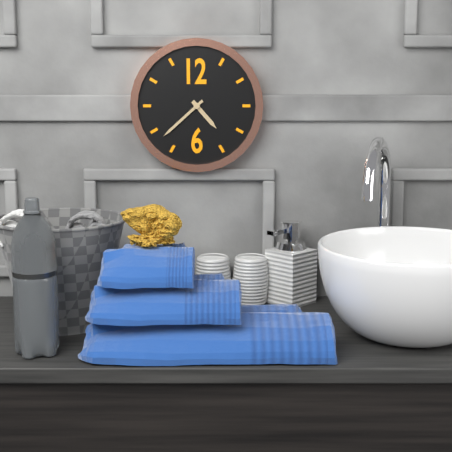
4:38
